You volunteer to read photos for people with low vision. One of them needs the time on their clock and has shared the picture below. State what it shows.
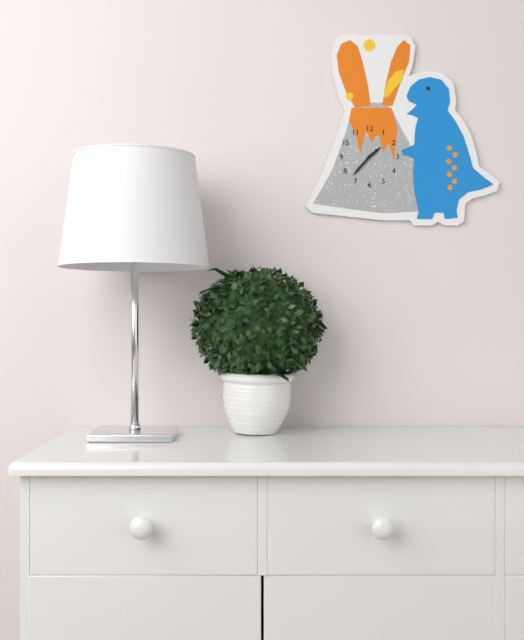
1:37
